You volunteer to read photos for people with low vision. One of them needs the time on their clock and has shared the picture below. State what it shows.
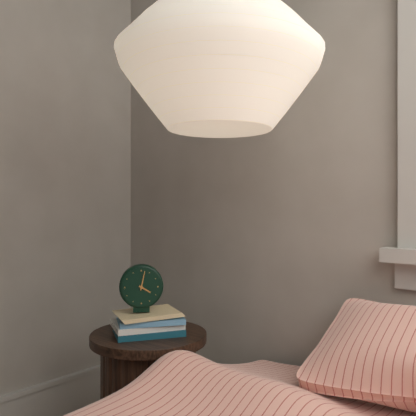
4:02
